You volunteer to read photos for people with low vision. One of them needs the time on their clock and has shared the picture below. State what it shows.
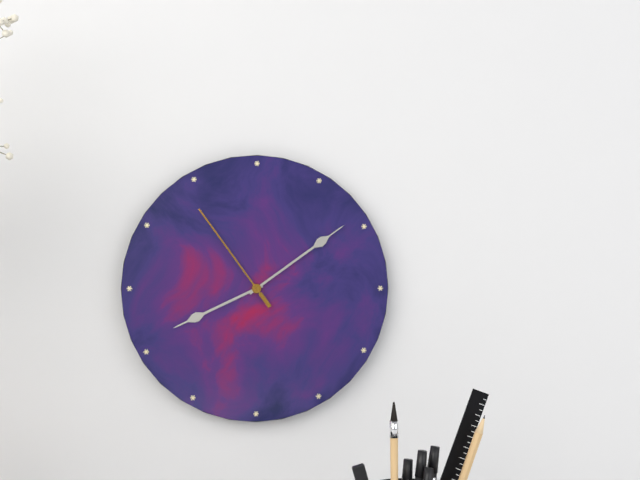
8:09:54
